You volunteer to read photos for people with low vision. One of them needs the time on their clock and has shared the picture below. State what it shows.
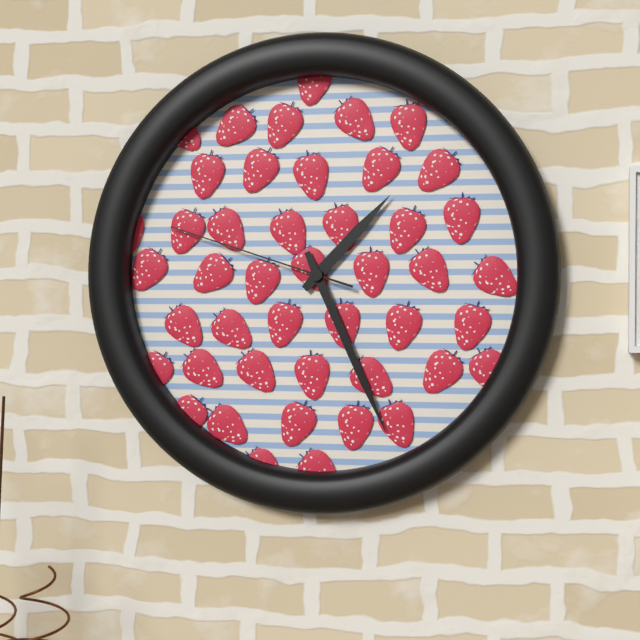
1:26:48
